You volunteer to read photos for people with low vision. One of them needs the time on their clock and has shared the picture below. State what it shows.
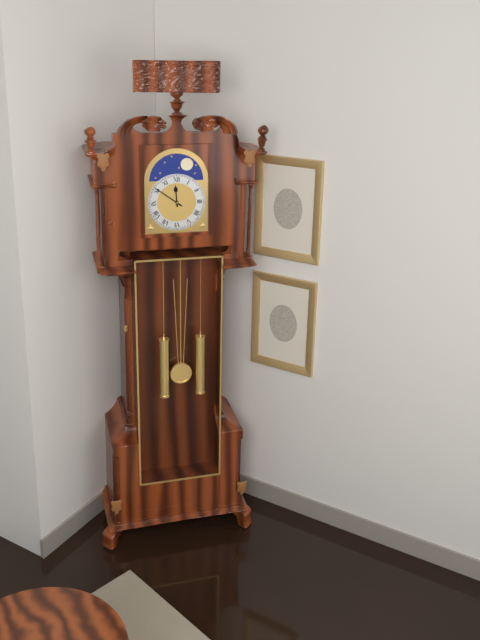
11:51
